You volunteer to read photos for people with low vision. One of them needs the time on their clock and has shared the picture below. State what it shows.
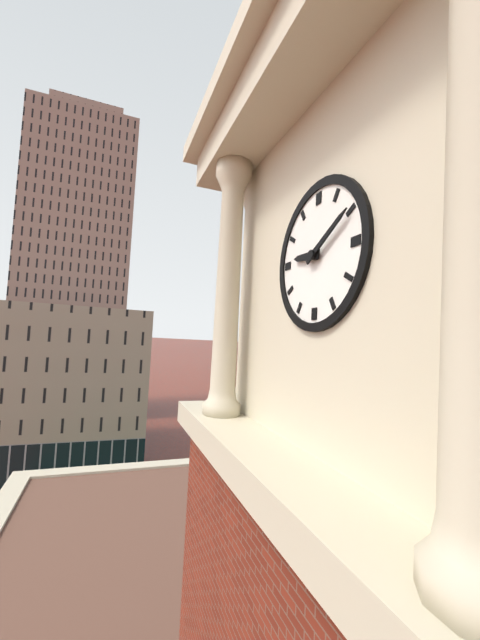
9:10
